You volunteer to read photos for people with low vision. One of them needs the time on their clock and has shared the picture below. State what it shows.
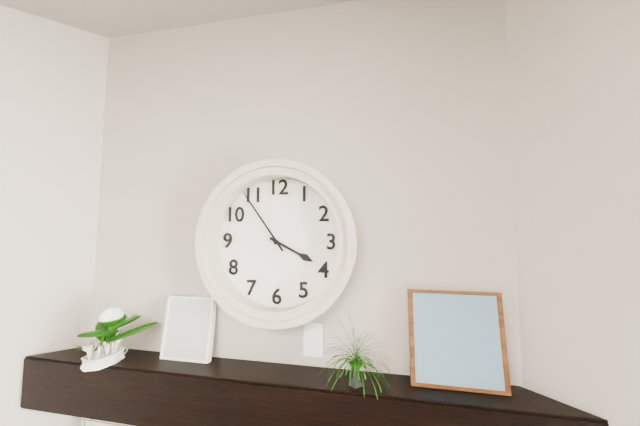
3:54
